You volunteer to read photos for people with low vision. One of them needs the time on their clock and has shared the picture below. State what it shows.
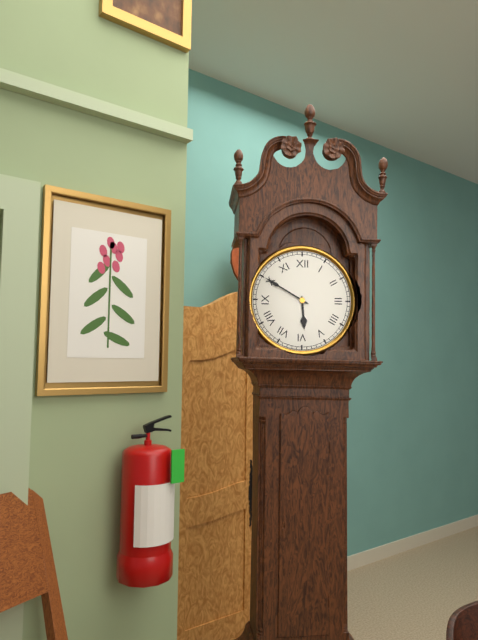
5:50
